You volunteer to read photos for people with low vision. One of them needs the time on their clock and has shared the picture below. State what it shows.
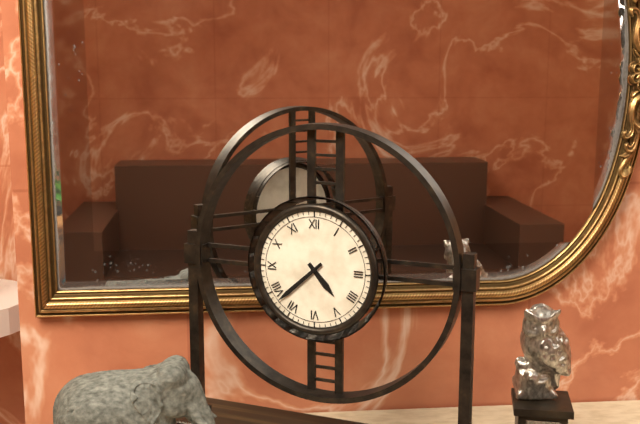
4:38
